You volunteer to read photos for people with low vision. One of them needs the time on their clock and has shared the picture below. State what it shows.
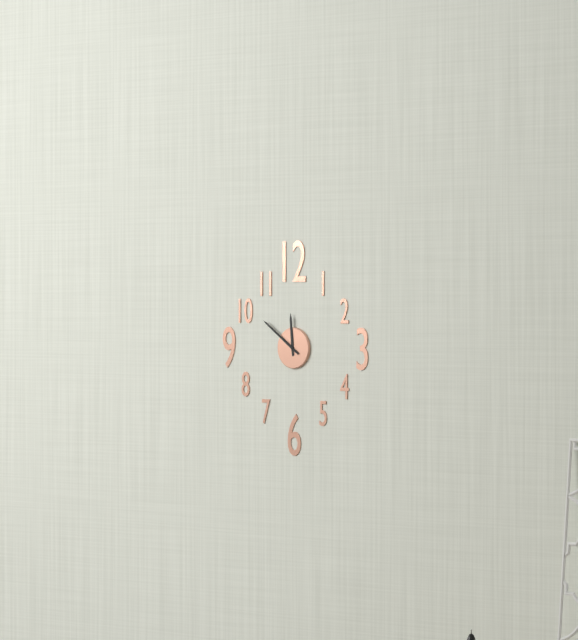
11:51
